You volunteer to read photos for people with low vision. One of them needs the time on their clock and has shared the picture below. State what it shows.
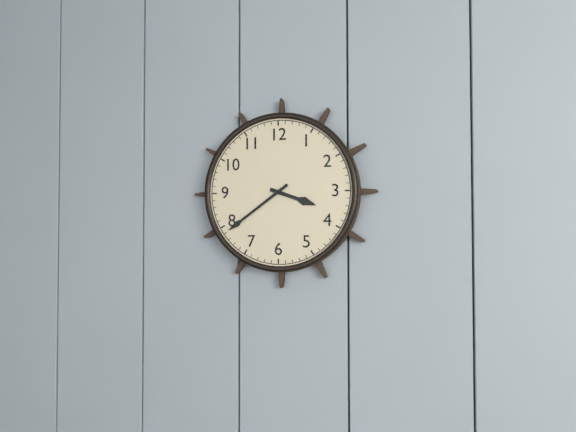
3:39
